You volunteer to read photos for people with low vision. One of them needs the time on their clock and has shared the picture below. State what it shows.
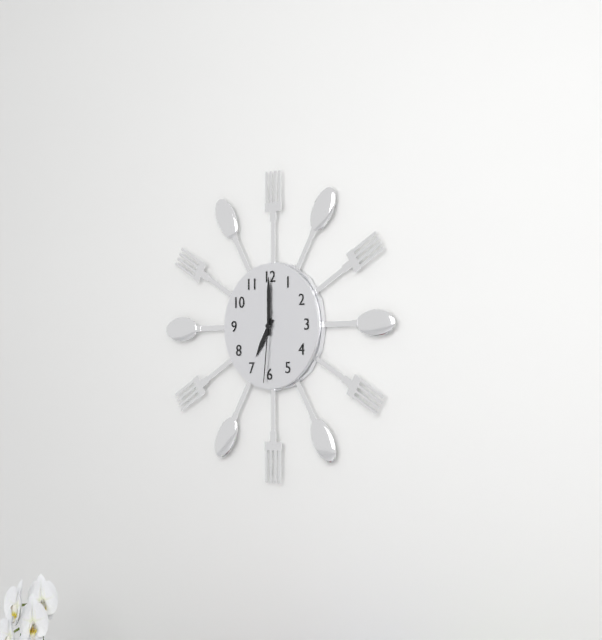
7:00:31
